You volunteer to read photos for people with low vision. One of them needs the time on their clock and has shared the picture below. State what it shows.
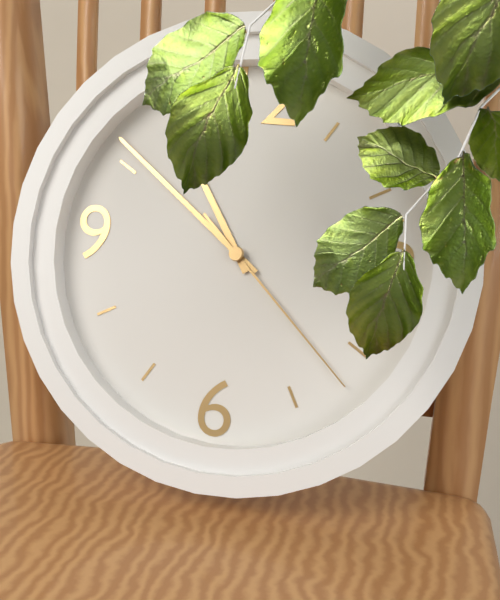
10:51:22
